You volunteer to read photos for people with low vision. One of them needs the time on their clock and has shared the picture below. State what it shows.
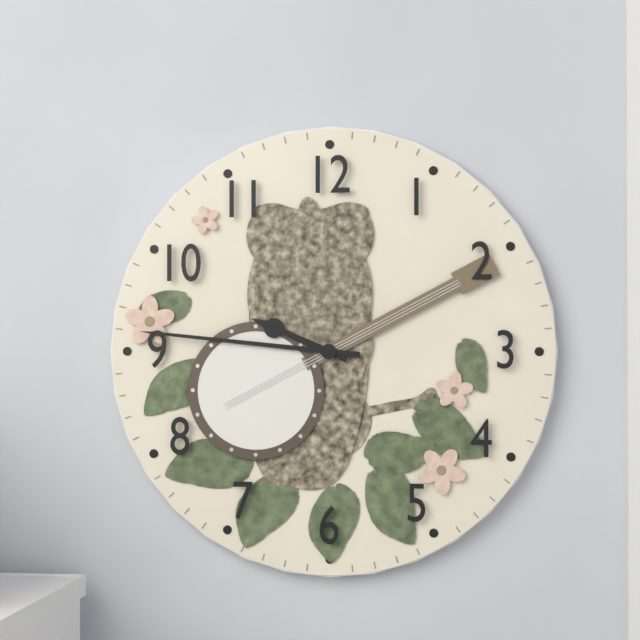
9:46
